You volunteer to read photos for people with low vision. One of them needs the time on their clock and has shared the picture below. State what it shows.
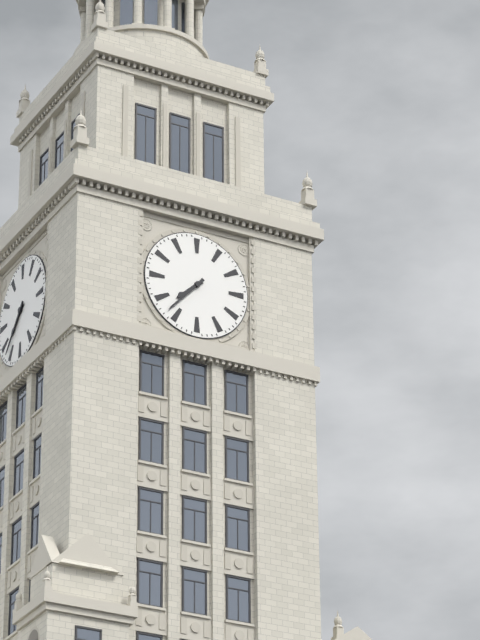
7:37
